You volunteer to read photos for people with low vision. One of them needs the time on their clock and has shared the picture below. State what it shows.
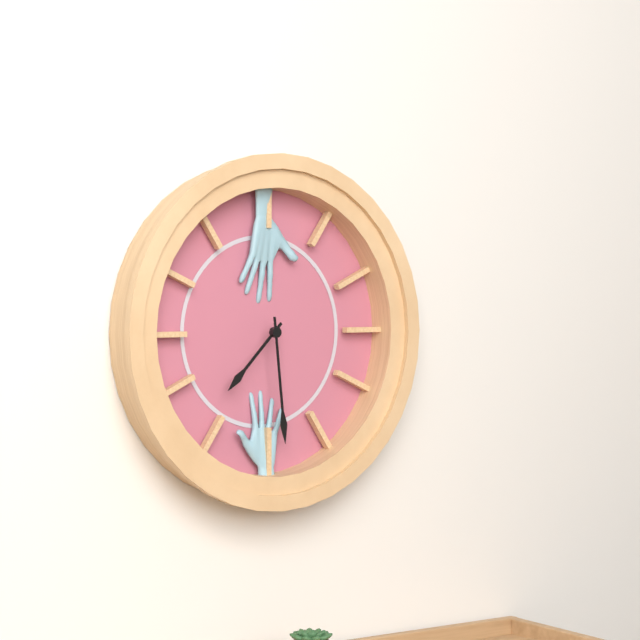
7:29
